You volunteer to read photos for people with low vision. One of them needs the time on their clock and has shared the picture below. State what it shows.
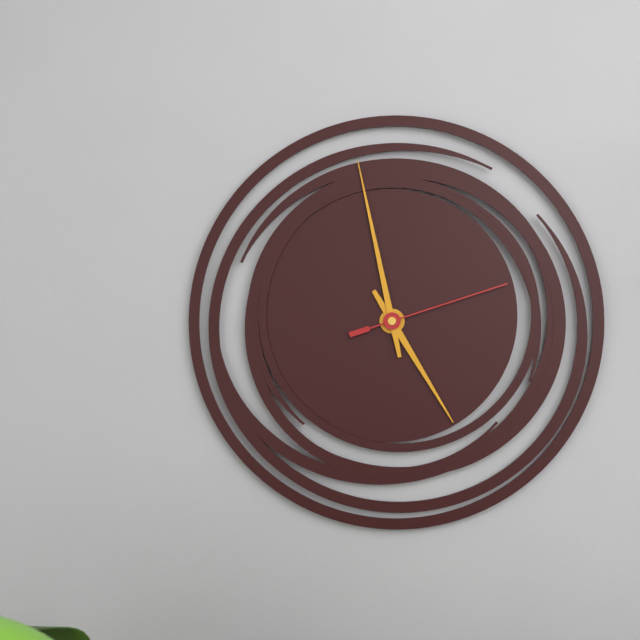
4:58:12
